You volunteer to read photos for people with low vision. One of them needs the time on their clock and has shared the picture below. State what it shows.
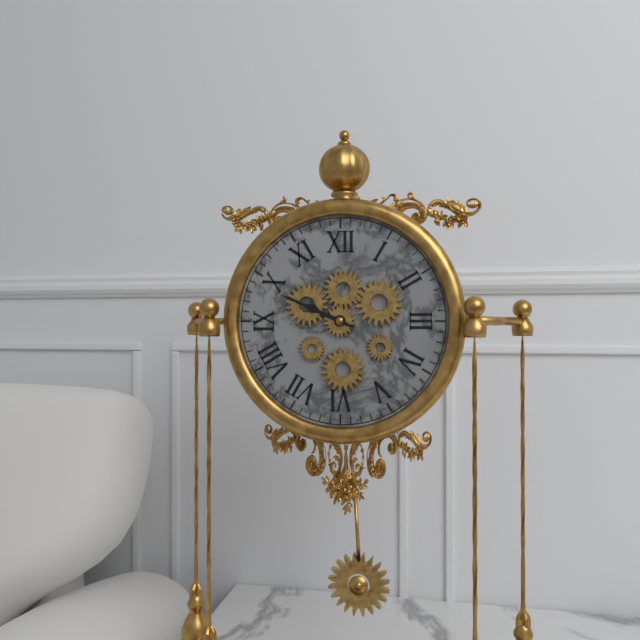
9:49
